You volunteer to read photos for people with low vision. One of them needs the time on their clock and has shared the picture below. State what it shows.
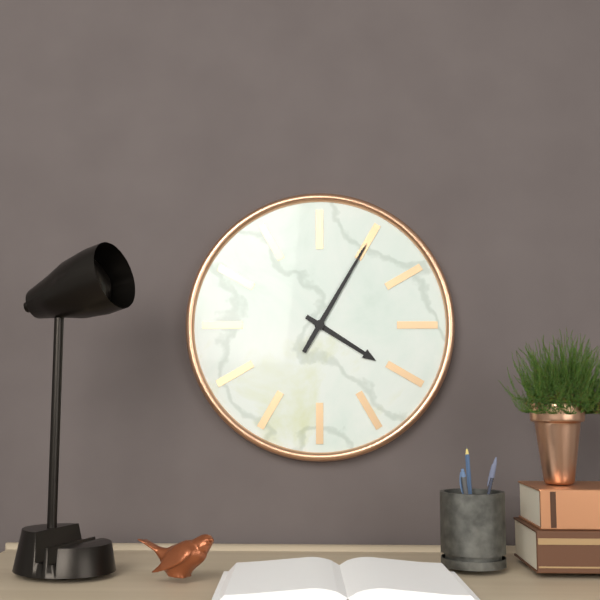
4:05
